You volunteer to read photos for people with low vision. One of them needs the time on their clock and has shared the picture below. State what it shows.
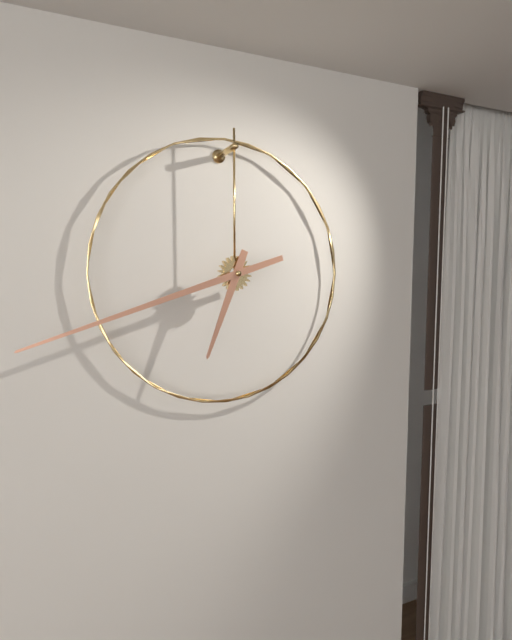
6:42
